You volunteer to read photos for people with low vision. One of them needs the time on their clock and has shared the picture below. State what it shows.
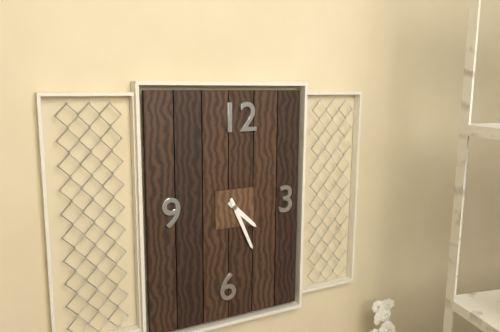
4:26
